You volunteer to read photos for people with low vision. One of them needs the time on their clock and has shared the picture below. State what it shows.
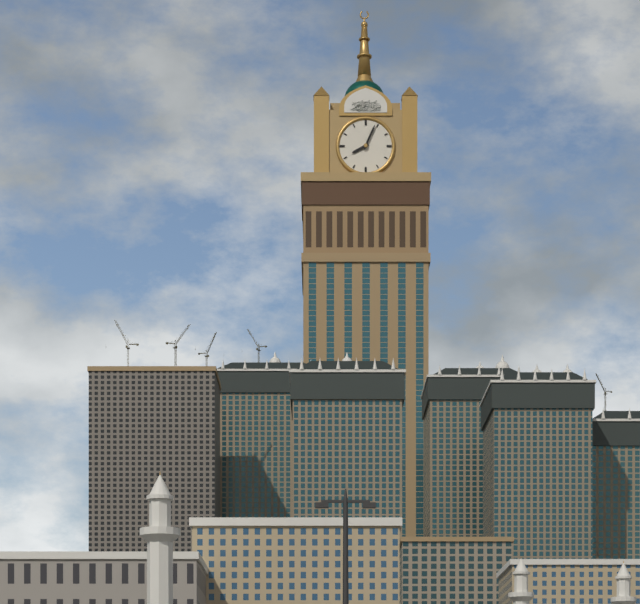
8:04
